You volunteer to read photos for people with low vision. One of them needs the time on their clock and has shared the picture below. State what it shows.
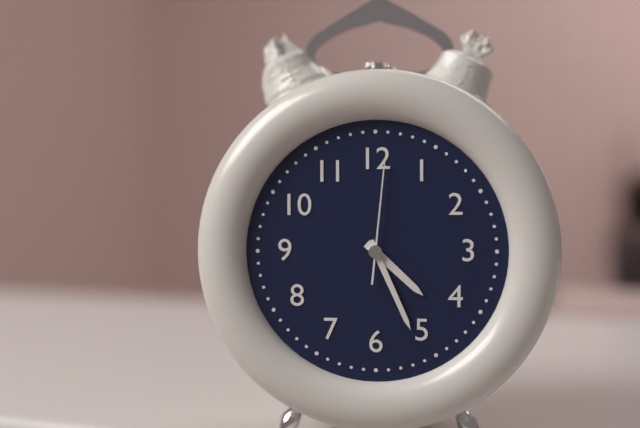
4:26:01
